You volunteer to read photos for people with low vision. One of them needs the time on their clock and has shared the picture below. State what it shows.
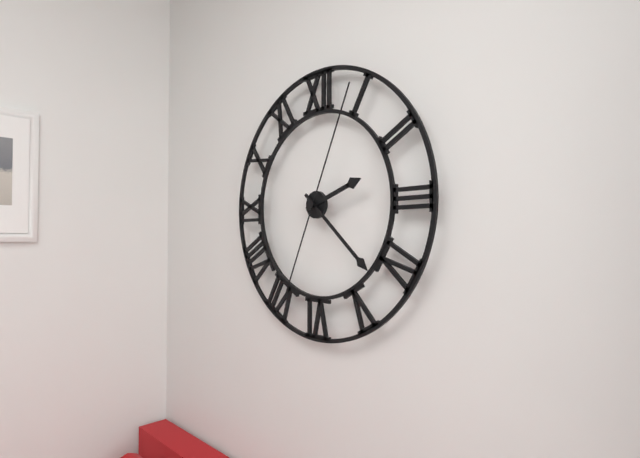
2:22:04
